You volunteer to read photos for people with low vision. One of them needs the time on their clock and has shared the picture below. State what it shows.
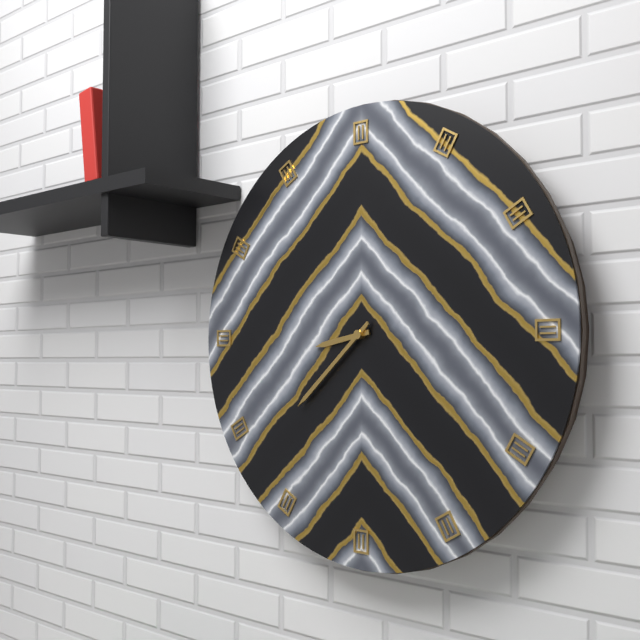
8:38
